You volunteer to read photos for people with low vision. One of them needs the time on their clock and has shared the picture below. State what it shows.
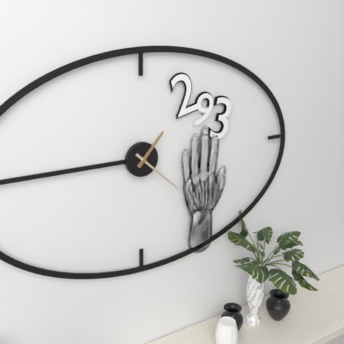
1:22
